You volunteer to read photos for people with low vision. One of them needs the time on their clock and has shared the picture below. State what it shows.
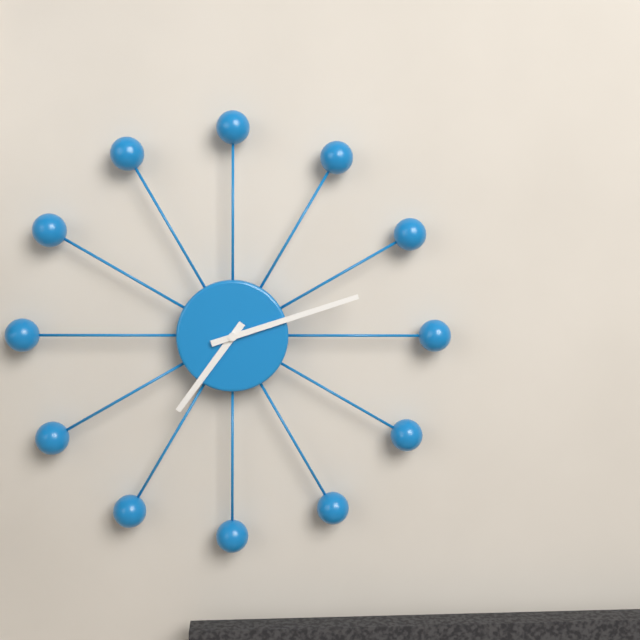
7:12
